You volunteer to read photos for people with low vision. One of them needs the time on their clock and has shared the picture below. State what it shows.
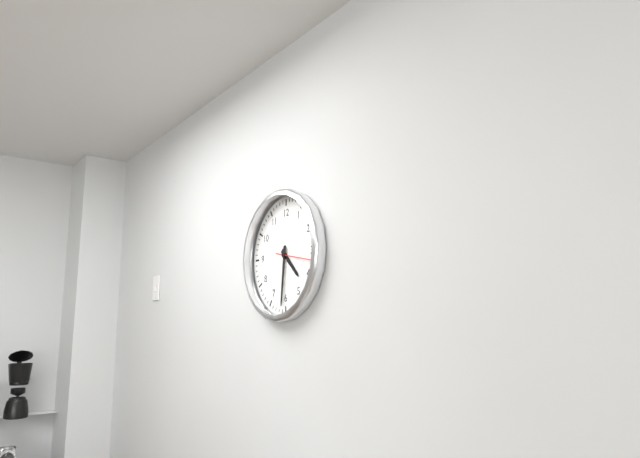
4:31
